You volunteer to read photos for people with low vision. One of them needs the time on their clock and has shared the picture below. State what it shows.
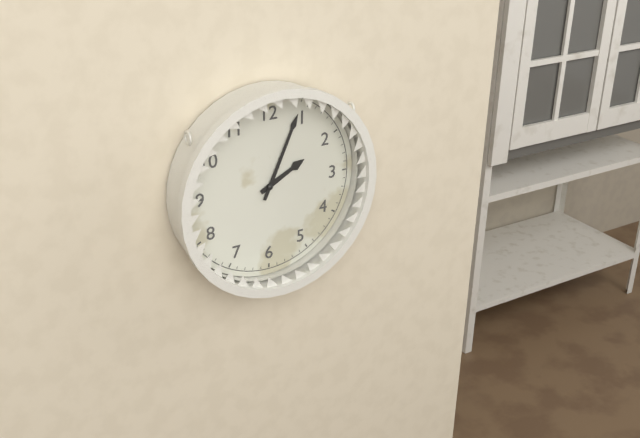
2:04
